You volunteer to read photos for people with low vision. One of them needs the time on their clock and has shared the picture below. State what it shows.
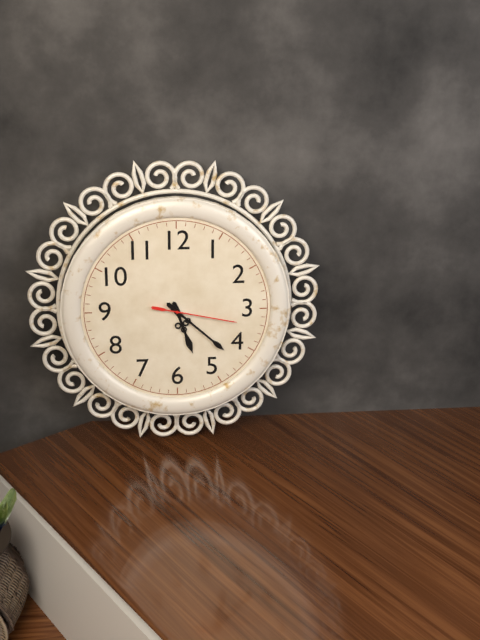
5:22:17
